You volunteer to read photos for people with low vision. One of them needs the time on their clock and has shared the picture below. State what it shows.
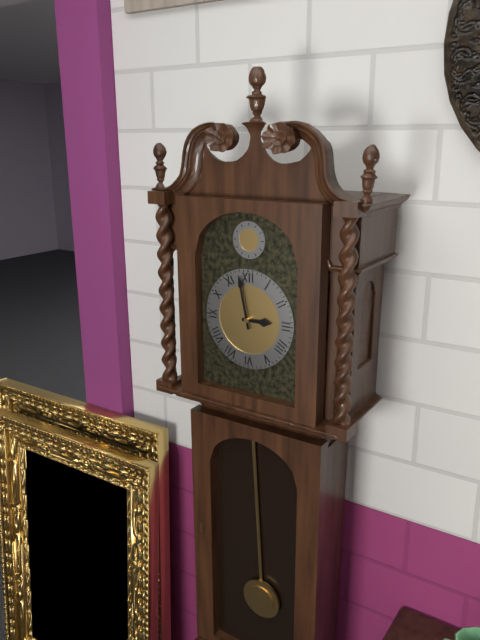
2:58
